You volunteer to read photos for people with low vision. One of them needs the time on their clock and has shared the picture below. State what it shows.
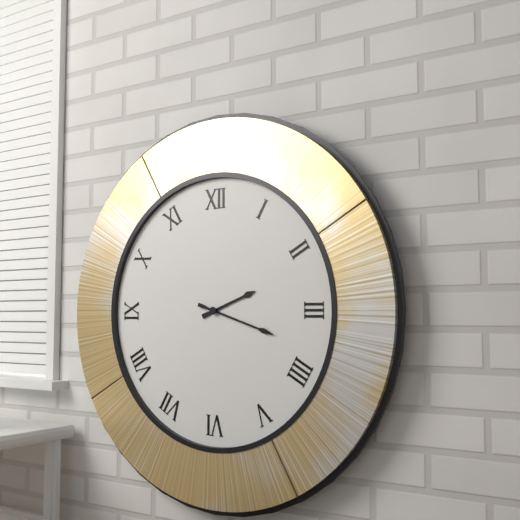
2:18
